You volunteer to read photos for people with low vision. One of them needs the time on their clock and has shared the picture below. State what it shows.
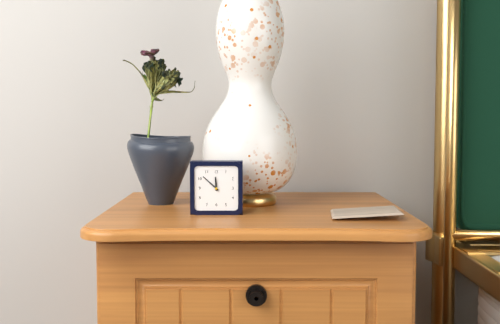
11:52
